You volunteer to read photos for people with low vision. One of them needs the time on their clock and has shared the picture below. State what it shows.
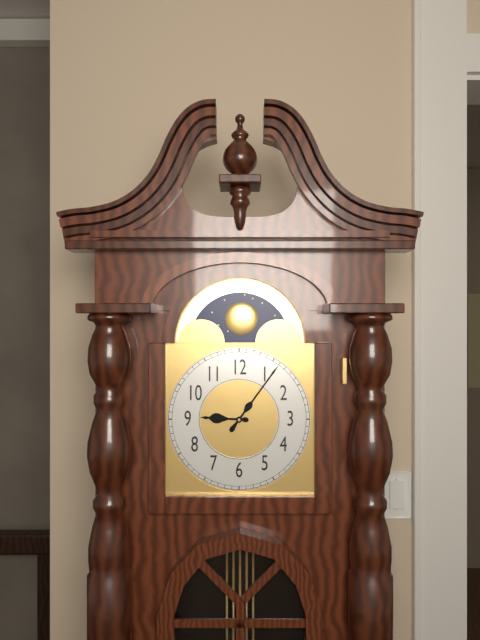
9:06
